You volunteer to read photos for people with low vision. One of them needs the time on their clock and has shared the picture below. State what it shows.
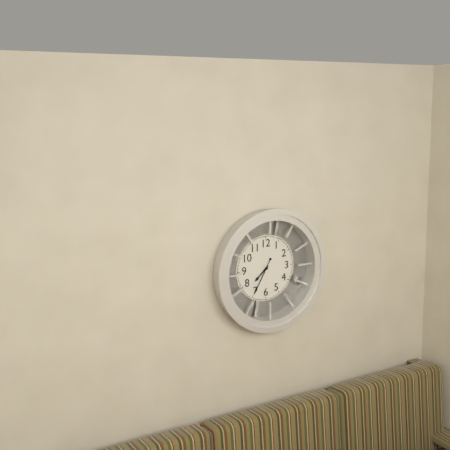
7:35
